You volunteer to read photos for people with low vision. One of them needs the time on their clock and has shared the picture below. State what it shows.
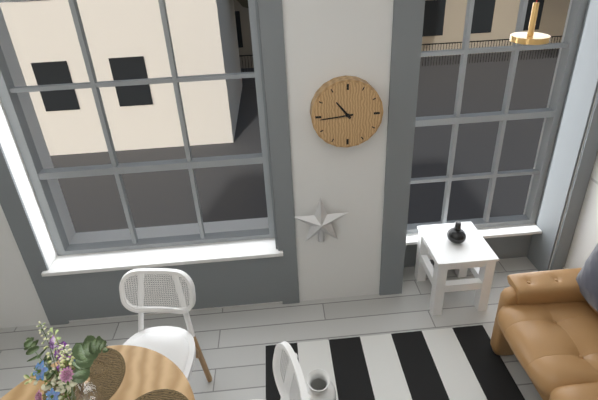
10:44
